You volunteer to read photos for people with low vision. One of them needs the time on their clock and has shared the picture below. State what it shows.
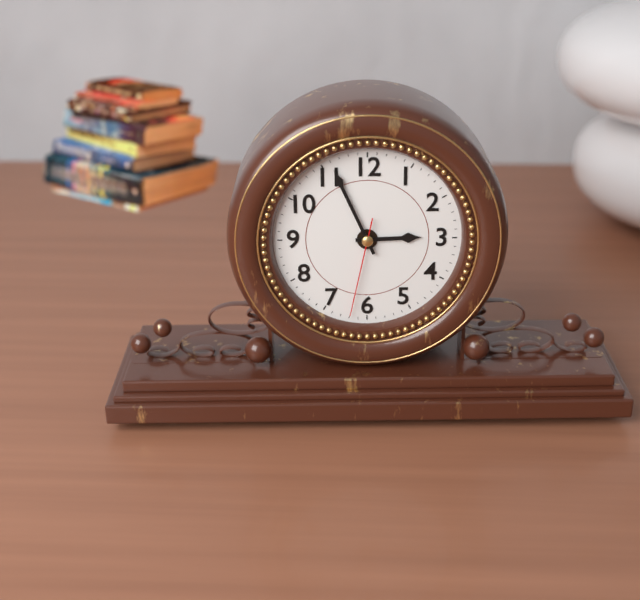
2:56:32
